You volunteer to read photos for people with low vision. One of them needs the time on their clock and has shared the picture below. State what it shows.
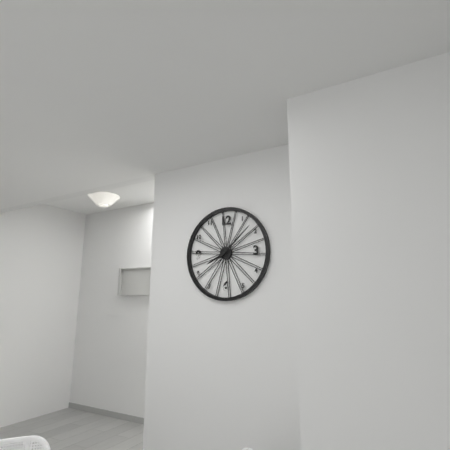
8:08
